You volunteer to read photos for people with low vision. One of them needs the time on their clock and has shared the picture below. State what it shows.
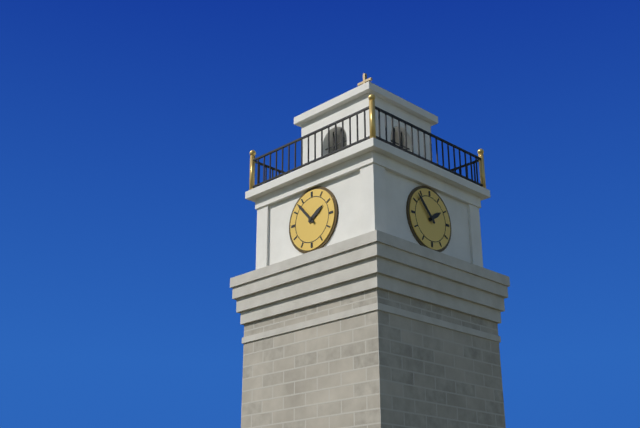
1:53
